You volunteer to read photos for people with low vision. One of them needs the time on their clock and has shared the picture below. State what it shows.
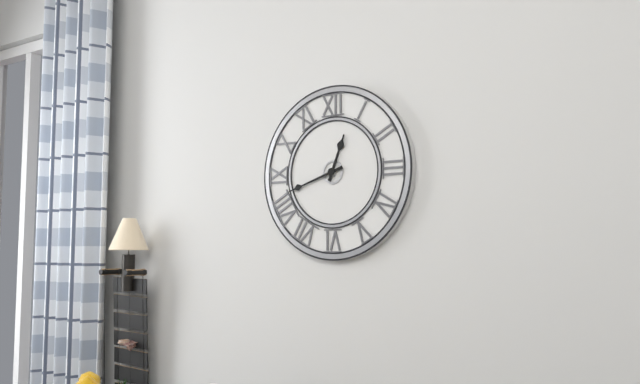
12:42
